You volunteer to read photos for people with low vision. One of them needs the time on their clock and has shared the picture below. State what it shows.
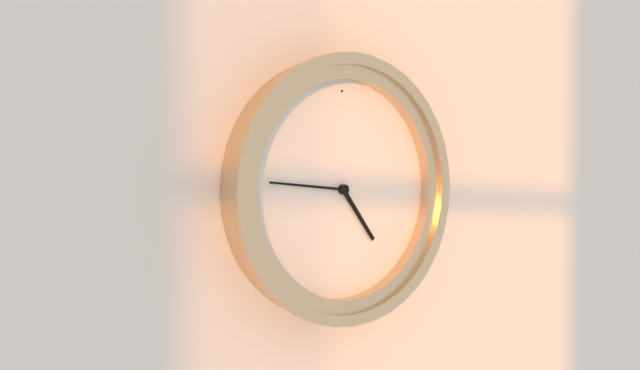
4:46
